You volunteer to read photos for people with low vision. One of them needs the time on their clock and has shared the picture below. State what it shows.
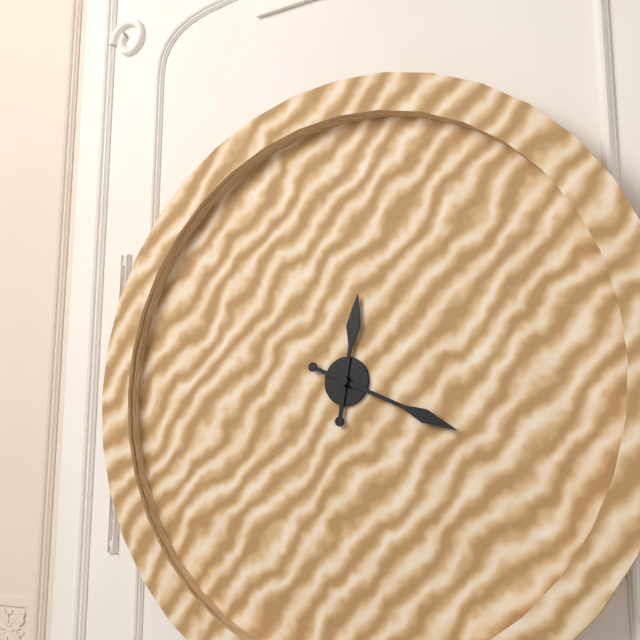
12:19
